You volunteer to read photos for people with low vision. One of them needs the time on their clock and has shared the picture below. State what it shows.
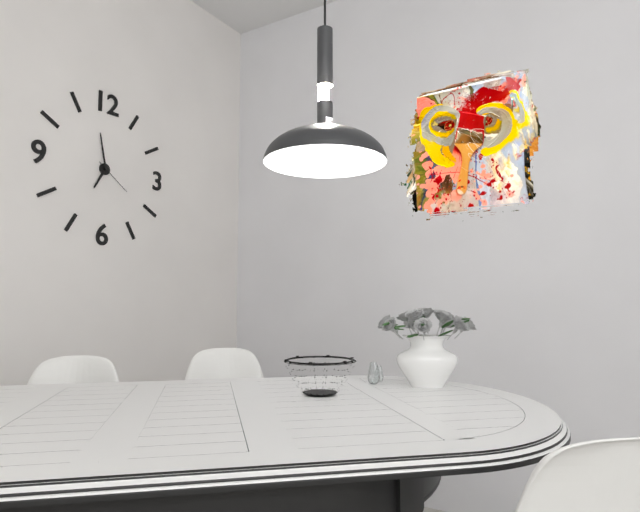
6:58
